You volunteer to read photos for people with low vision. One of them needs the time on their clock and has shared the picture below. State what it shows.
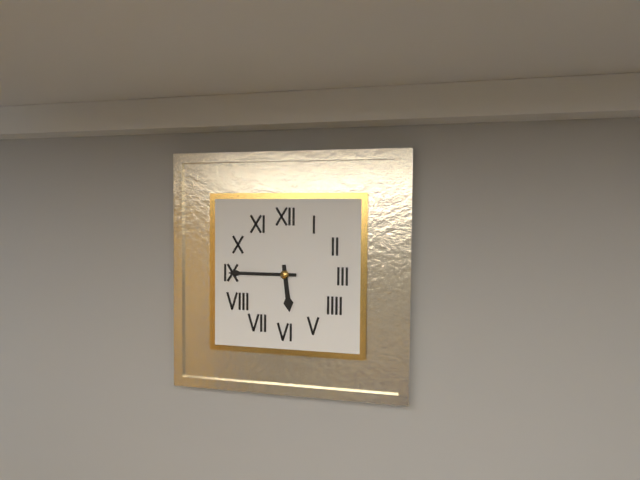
5:45
